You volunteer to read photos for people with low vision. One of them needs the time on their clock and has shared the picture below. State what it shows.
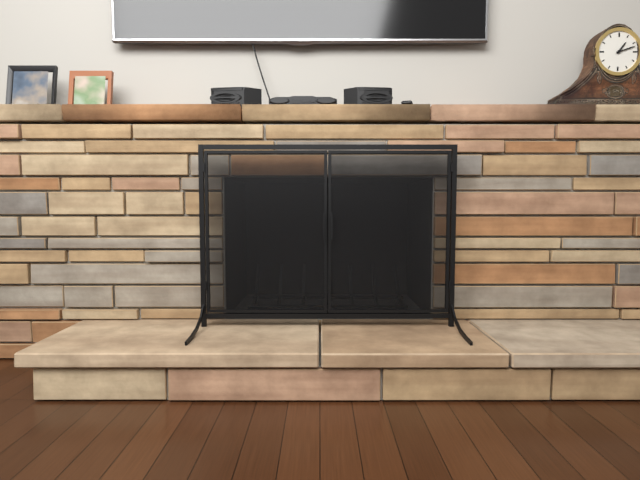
1:12
